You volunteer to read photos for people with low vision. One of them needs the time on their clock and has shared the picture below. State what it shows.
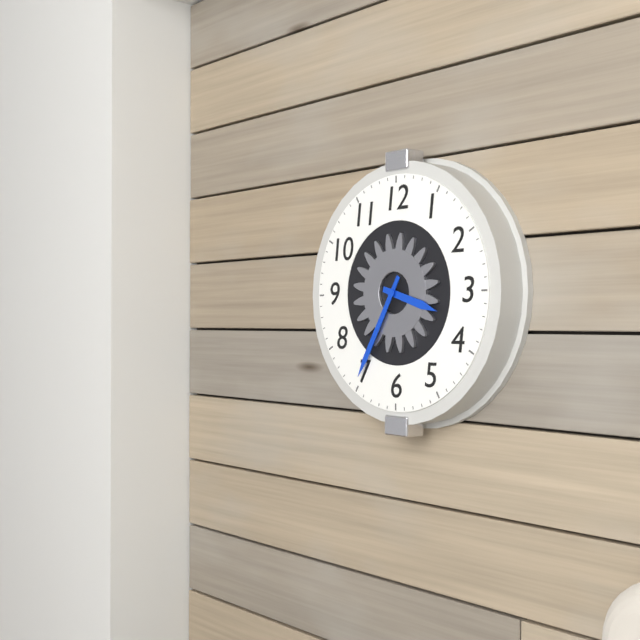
3:35
